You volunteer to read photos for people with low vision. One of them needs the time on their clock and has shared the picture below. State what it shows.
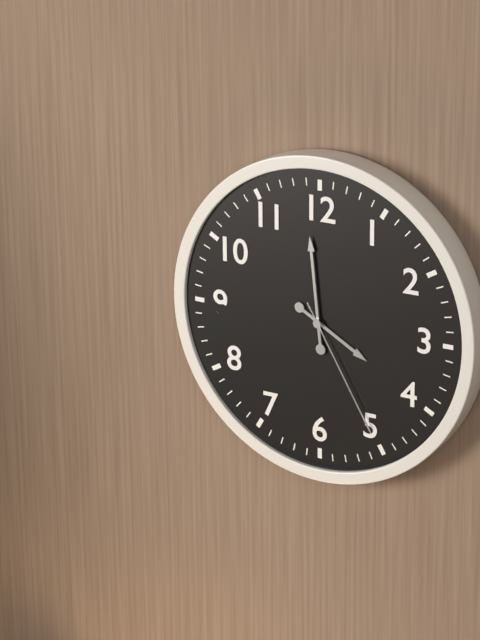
3:59:25
